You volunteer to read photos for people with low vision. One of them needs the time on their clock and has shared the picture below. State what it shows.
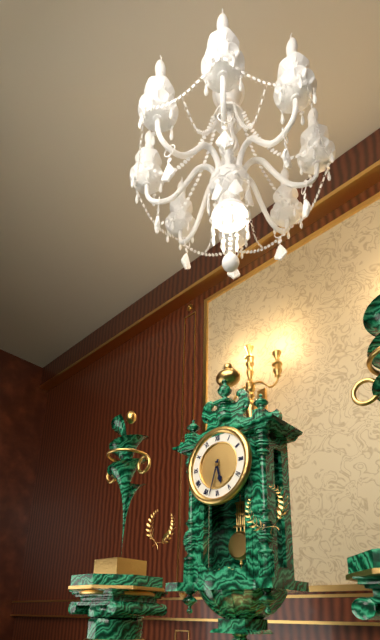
5:33
